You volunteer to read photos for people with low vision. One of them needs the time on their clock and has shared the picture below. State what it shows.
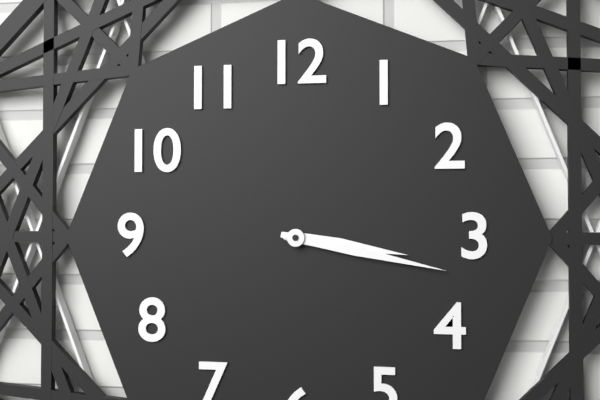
3:17
